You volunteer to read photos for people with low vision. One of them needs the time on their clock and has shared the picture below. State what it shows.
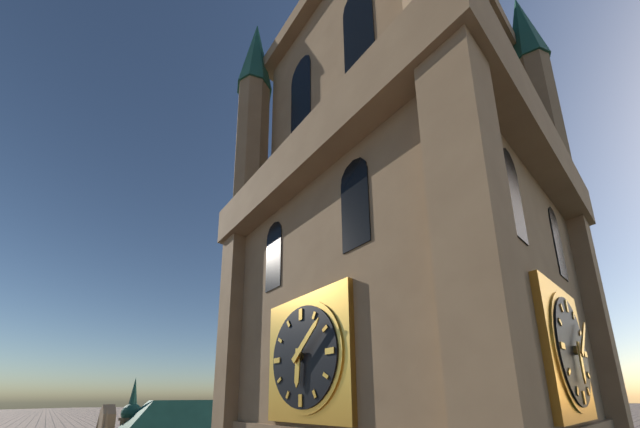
6:08
